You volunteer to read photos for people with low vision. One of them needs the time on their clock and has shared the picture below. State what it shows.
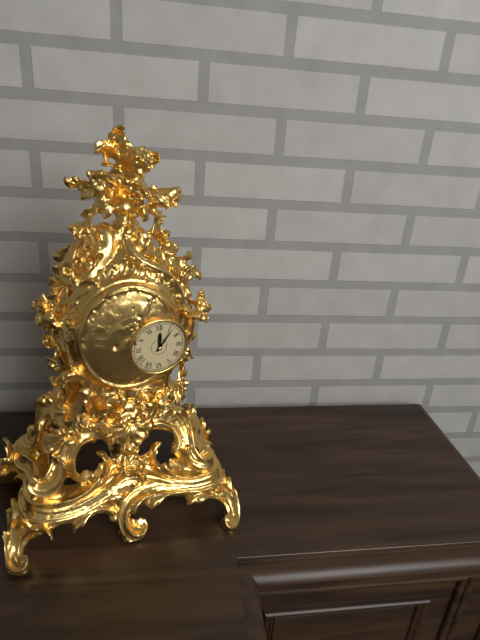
12:06
